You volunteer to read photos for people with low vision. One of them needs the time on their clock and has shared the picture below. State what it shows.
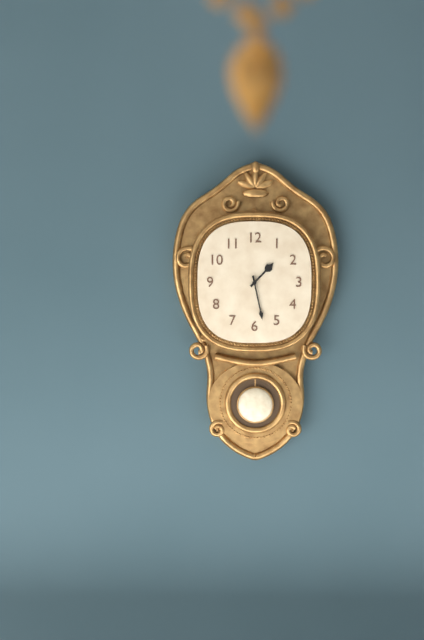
1:28
